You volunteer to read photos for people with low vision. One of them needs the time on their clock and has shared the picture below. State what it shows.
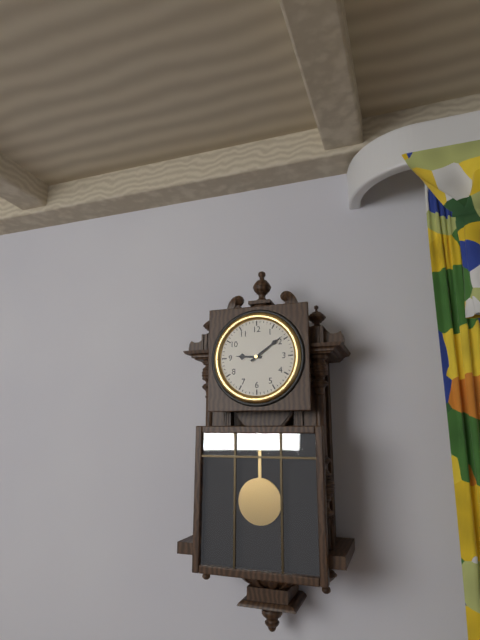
9:09
